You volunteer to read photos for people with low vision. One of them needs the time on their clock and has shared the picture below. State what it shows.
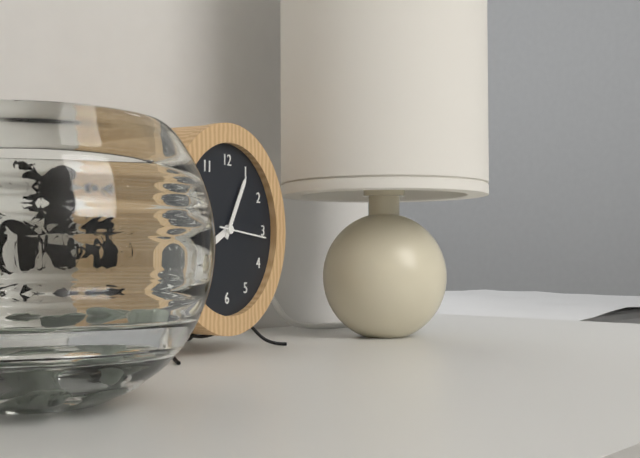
8:05
